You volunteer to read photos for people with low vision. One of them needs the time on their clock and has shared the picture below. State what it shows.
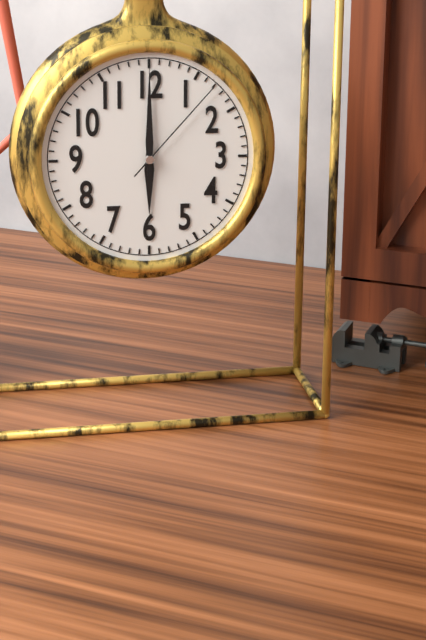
6:00:07
